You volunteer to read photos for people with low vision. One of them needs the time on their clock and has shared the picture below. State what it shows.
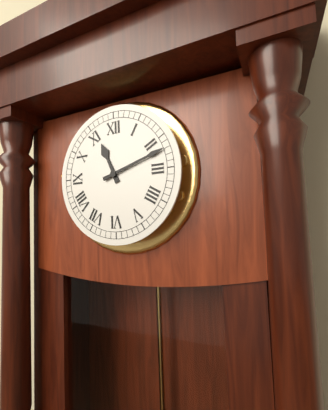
11:12
